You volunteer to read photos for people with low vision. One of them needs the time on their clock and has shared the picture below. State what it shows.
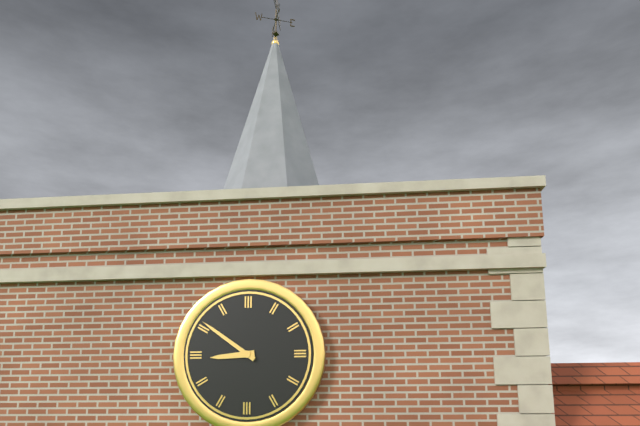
8:51
